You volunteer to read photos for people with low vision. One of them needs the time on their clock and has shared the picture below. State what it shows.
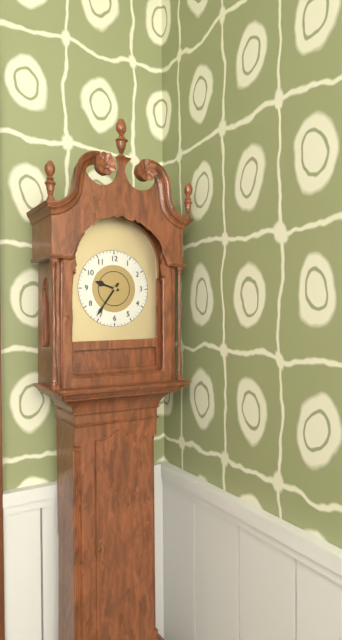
9:36
